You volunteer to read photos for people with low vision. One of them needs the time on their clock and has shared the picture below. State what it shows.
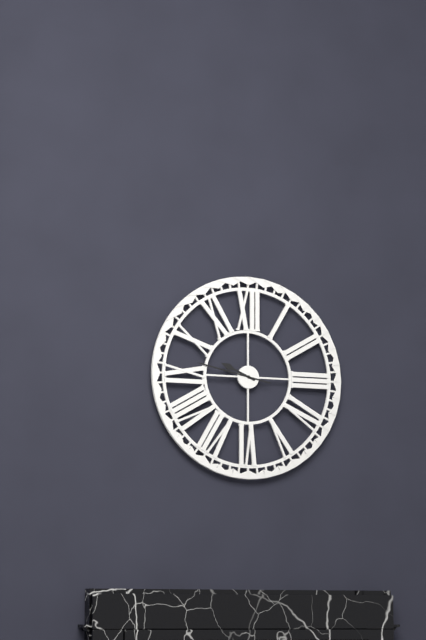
9:47
